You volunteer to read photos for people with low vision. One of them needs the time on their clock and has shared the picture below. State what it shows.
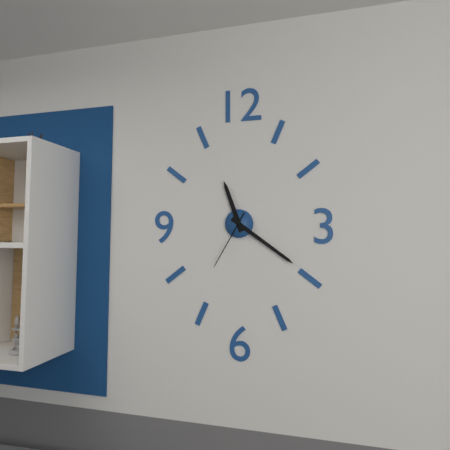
11:21:35
